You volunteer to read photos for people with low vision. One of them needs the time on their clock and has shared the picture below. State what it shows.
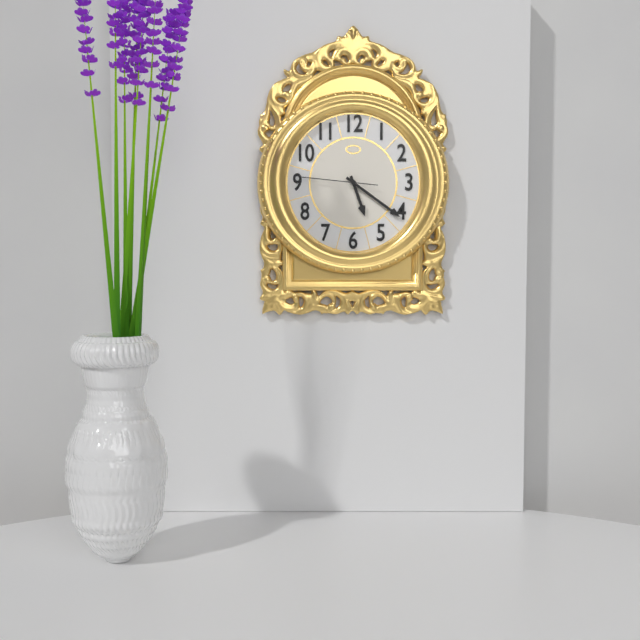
5:21:46
